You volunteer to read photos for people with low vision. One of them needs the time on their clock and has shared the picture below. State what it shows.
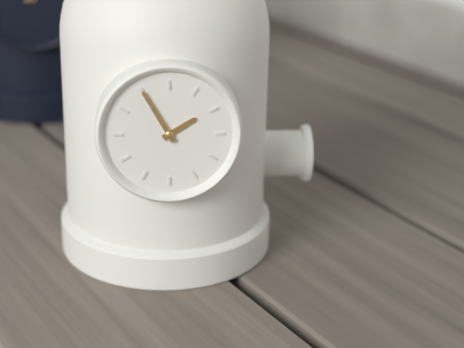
1:55
